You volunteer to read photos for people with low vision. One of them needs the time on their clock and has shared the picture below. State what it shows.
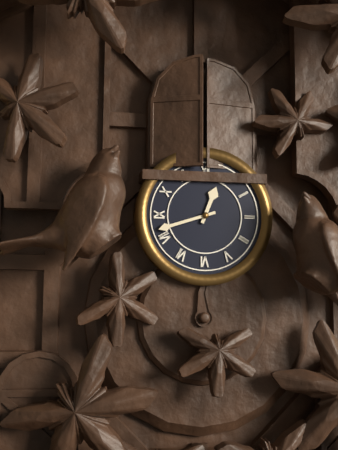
12:42
